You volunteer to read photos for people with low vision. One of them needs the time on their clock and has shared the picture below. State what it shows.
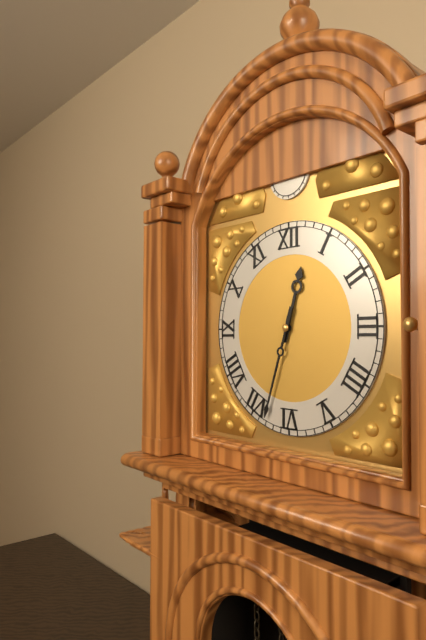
12:33
